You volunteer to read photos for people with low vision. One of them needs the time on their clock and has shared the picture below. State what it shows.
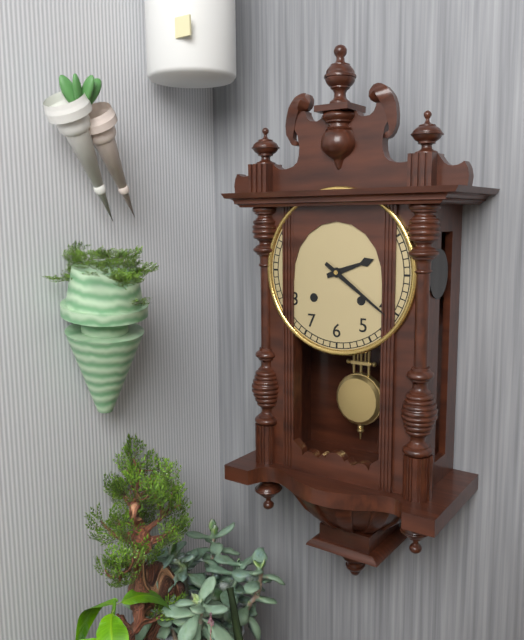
2:21
